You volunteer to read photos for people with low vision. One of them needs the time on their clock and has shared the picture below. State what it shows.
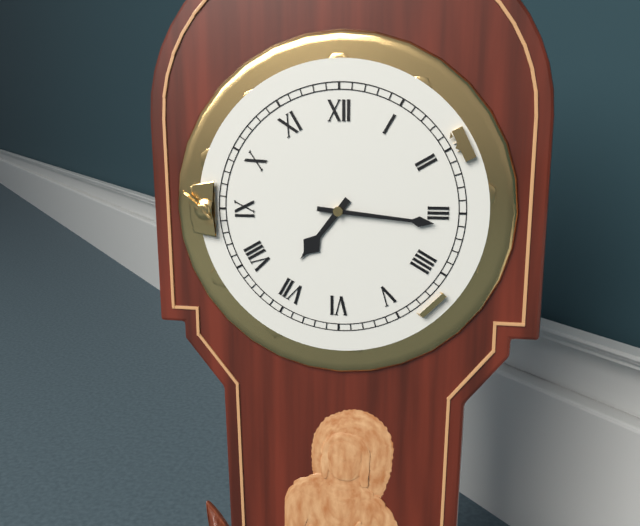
7:16
